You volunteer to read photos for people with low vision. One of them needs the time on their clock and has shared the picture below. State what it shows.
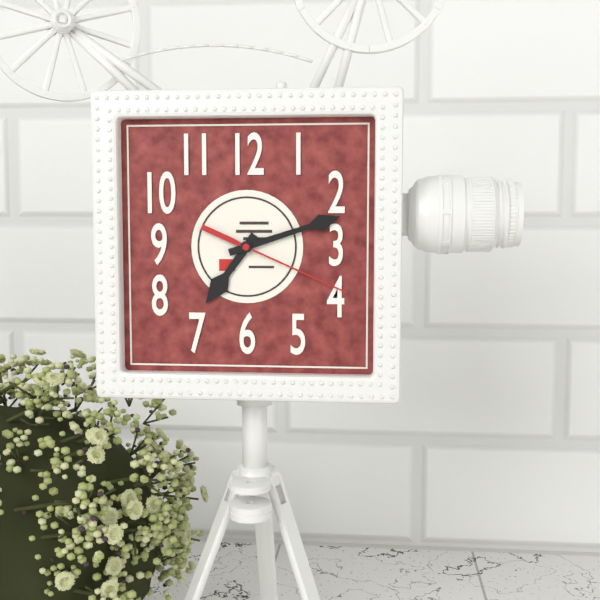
7:12:19
